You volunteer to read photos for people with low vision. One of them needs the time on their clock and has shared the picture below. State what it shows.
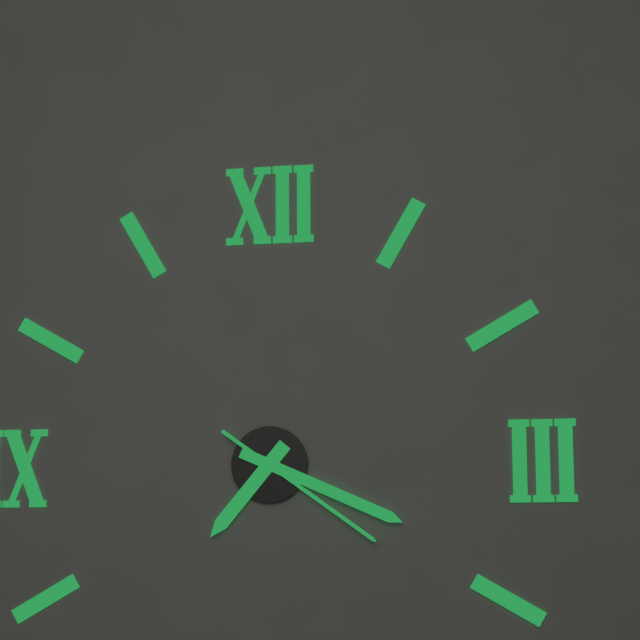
7:19:21
